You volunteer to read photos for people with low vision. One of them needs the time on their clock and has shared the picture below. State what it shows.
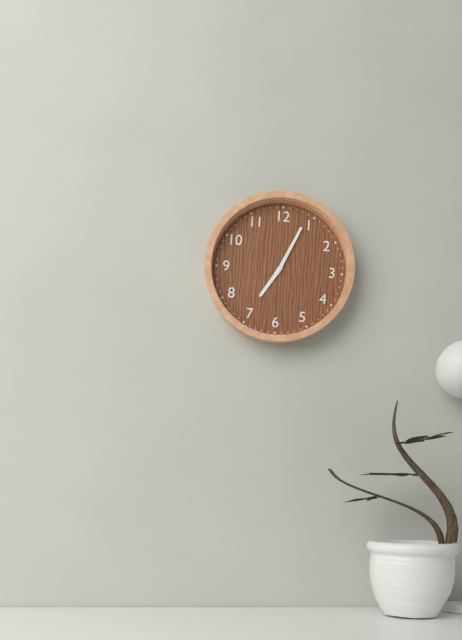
7:04
